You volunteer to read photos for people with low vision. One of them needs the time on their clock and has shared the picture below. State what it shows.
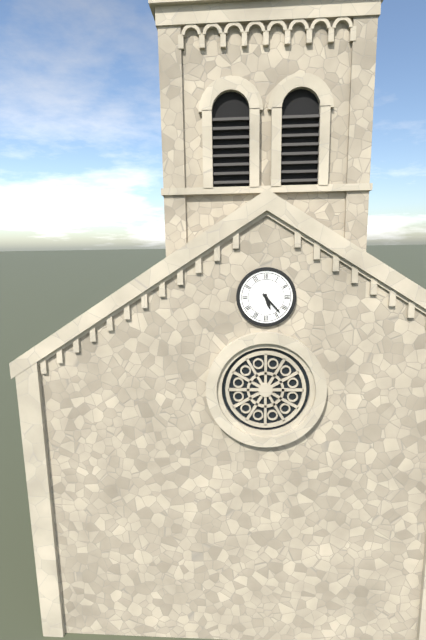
5:23
